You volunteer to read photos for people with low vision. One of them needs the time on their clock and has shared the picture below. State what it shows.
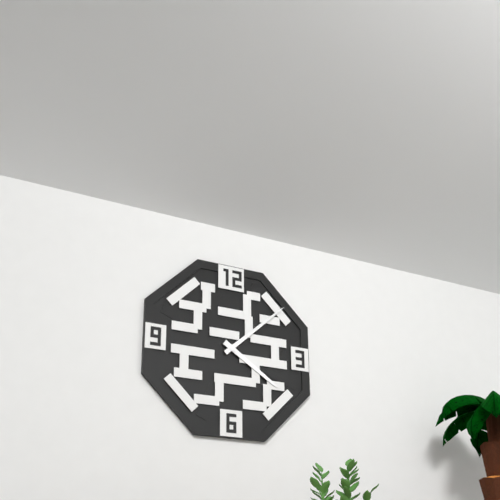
4:08
